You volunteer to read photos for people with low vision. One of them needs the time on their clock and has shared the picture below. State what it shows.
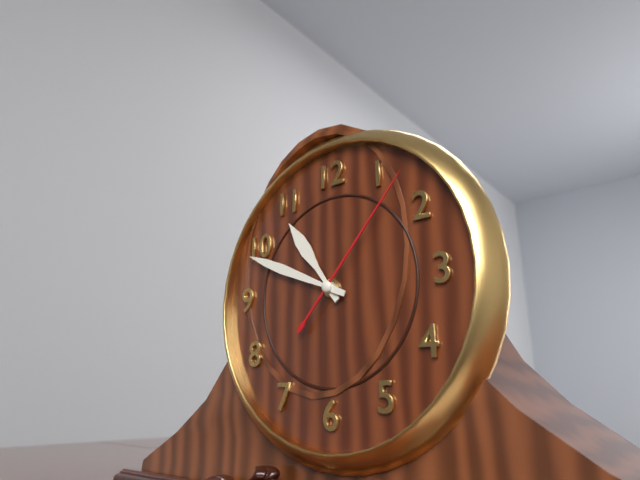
10:49:07
